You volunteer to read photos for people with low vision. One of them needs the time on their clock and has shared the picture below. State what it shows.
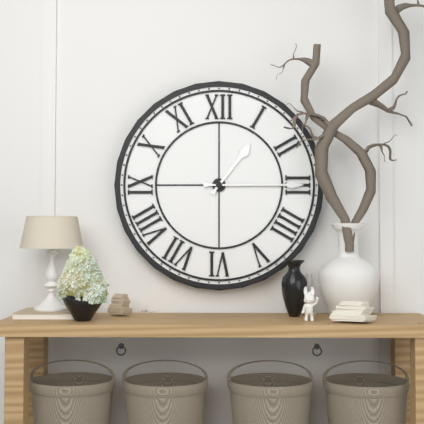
1:15
